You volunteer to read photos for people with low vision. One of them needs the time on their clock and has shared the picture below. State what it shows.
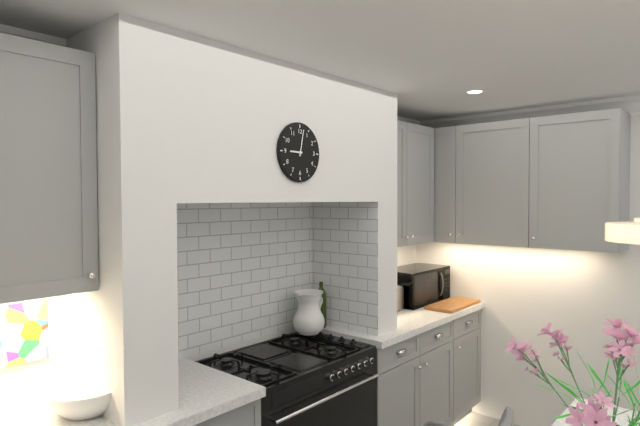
9:02
